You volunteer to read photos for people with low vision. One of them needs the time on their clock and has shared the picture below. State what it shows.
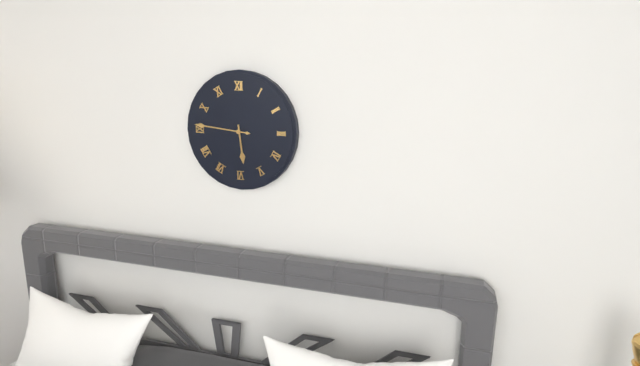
5:46
